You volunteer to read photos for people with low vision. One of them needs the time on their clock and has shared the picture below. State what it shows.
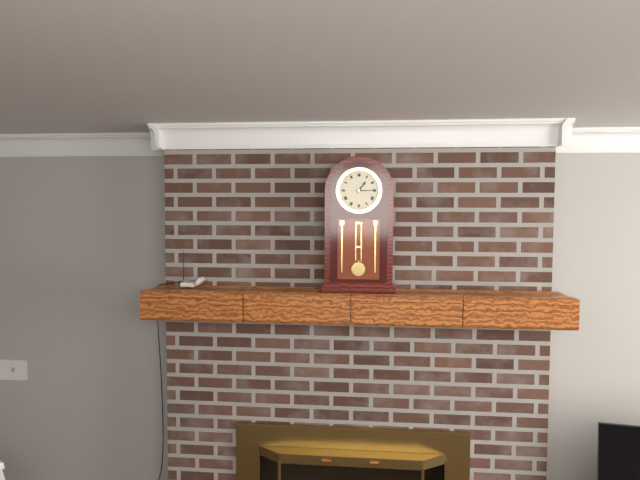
1:15
